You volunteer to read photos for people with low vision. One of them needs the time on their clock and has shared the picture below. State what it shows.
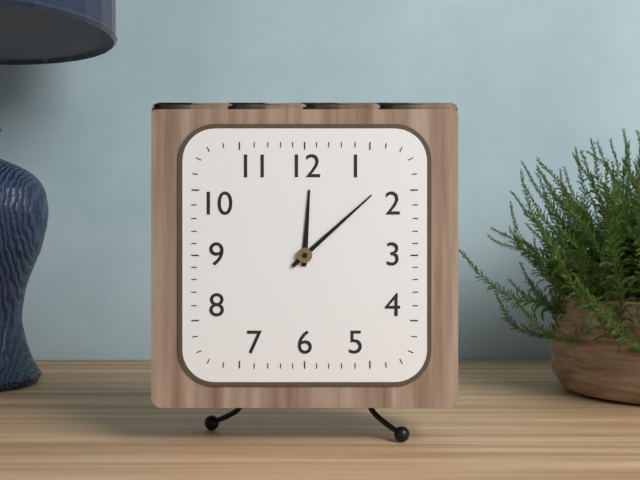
12:08
